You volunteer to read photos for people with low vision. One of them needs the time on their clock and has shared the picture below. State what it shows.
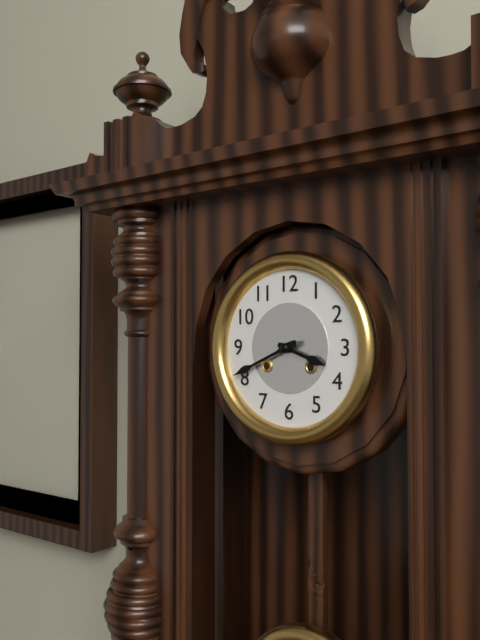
3:41
